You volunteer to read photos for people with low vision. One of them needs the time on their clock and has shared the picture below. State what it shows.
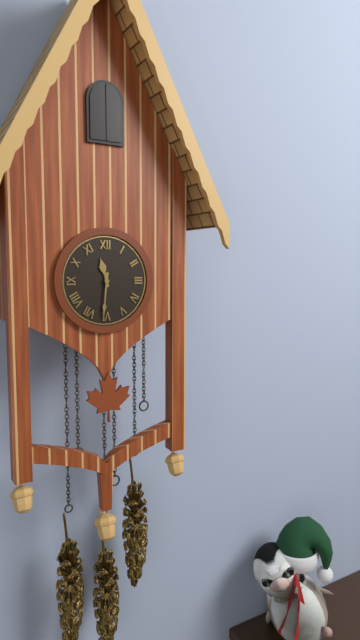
11:31
